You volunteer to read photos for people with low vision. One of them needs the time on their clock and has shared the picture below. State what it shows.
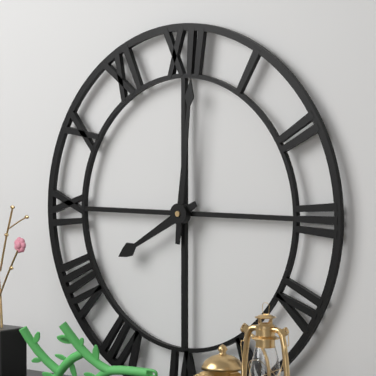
8:01
